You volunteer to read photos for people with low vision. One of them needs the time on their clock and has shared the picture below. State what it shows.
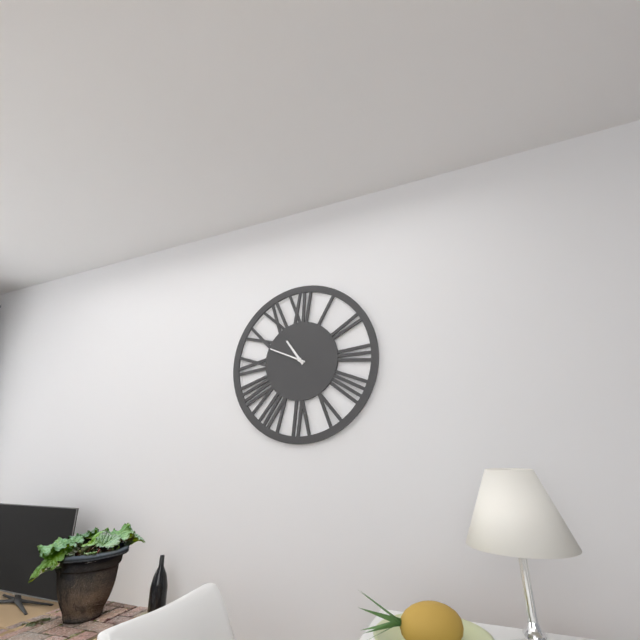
10:49
